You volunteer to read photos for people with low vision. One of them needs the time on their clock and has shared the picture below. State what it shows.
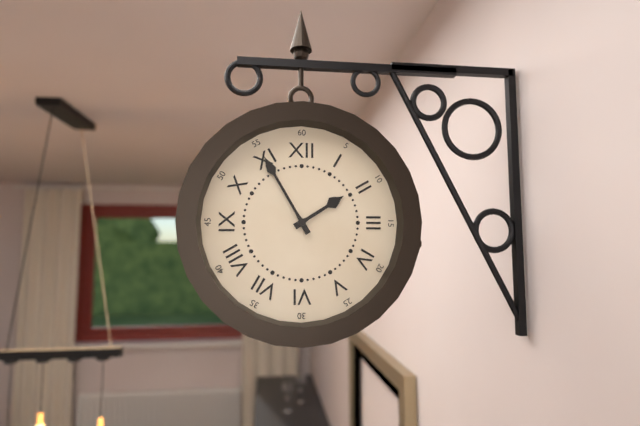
1:55
